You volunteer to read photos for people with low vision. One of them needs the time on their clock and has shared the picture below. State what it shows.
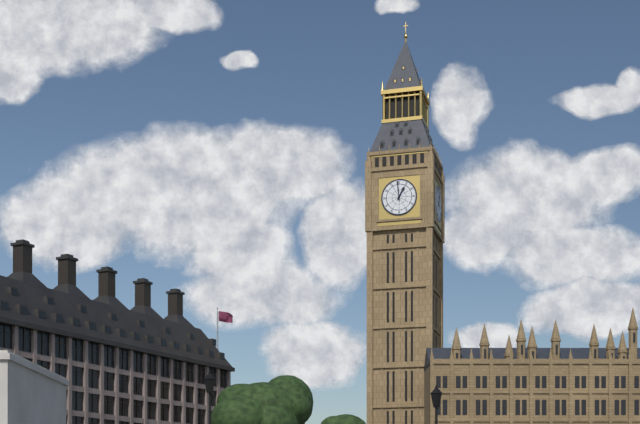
12:59
